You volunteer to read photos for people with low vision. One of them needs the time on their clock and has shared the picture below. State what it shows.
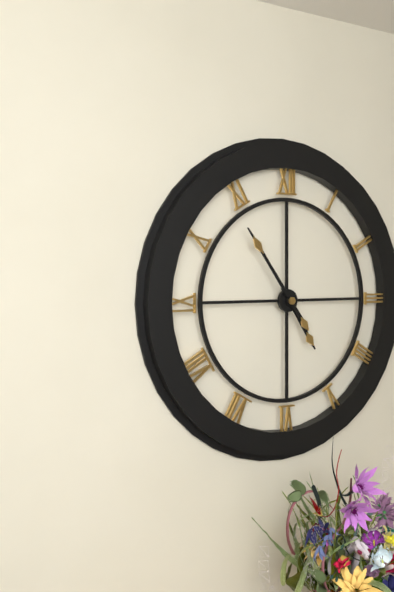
4:54
